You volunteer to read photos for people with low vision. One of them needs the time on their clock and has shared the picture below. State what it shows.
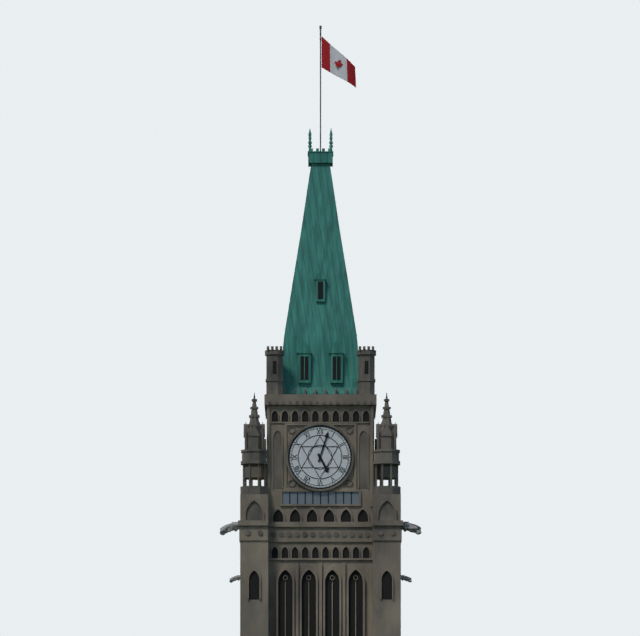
5:03
